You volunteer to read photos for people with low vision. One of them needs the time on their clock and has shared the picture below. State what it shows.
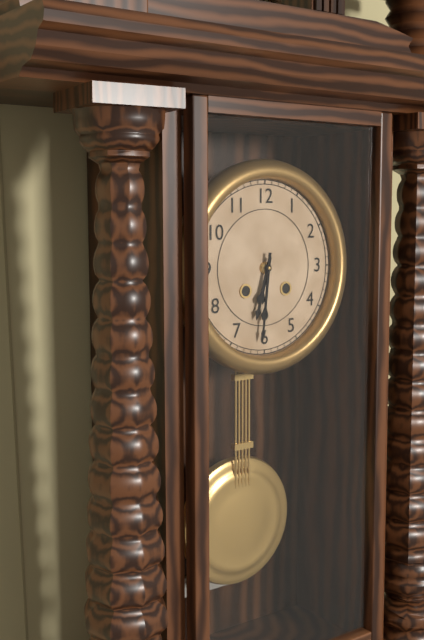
6:31
